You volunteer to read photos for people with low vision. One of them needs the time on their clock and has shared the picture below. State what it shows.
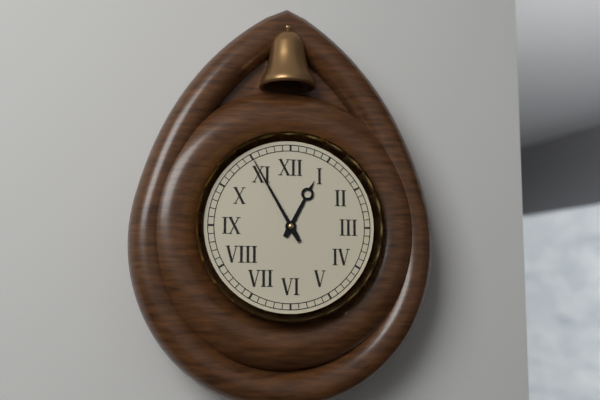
12:55
